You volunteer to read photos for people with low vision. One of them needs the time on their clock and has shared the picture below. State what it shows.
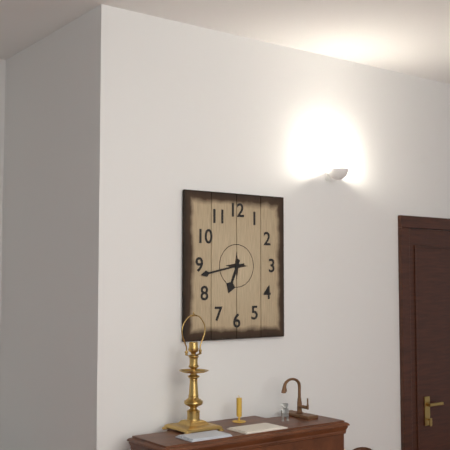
6:43
